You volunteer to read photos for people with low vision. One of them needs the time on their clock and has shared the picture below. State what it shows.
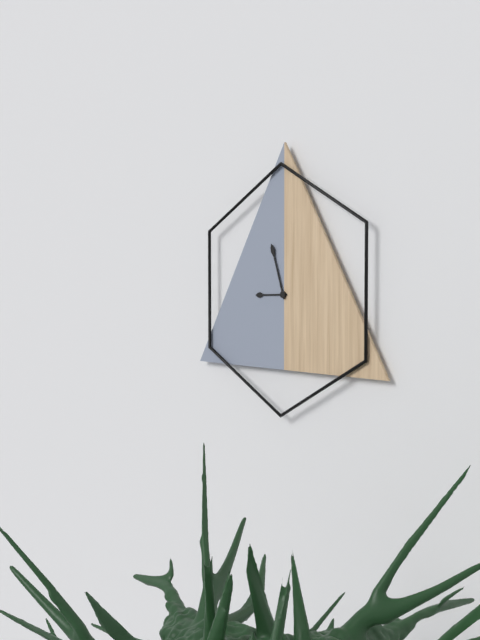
8:57
